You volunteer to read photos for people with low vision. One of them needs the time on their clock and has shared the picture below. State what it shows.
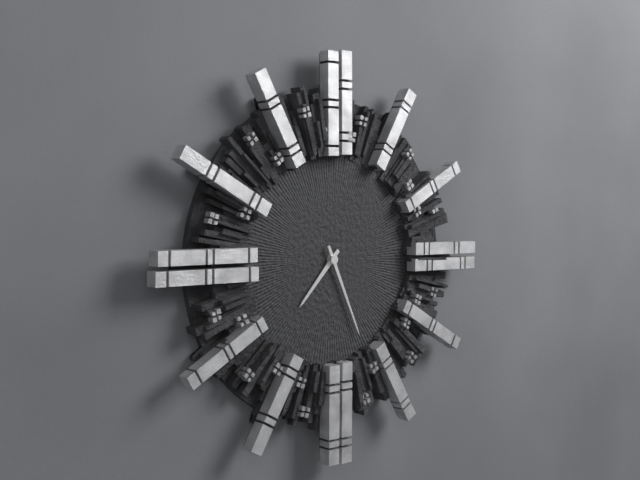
7:26
